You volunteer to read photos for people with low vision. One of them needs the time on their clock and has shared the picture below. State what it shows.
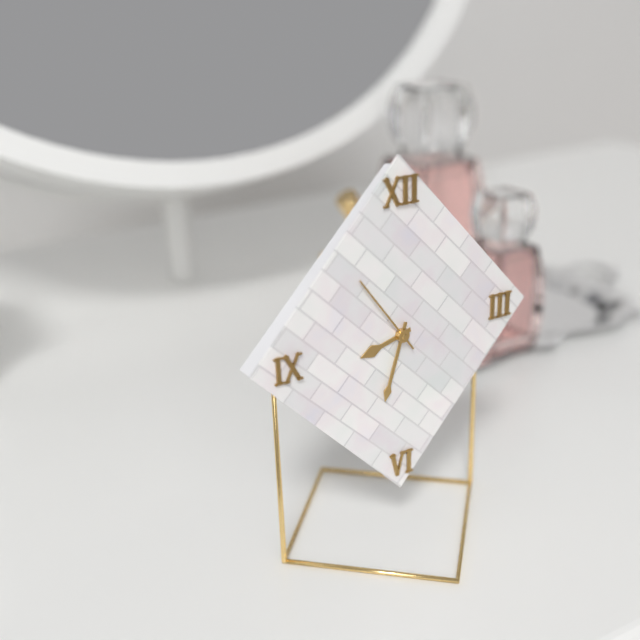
8:33:54
